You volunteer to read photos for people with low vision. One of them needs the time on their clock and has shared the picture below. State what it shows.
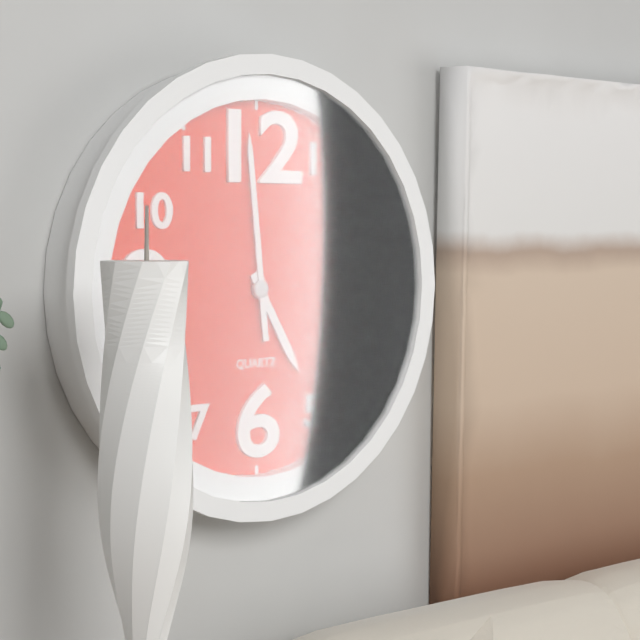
4:59
